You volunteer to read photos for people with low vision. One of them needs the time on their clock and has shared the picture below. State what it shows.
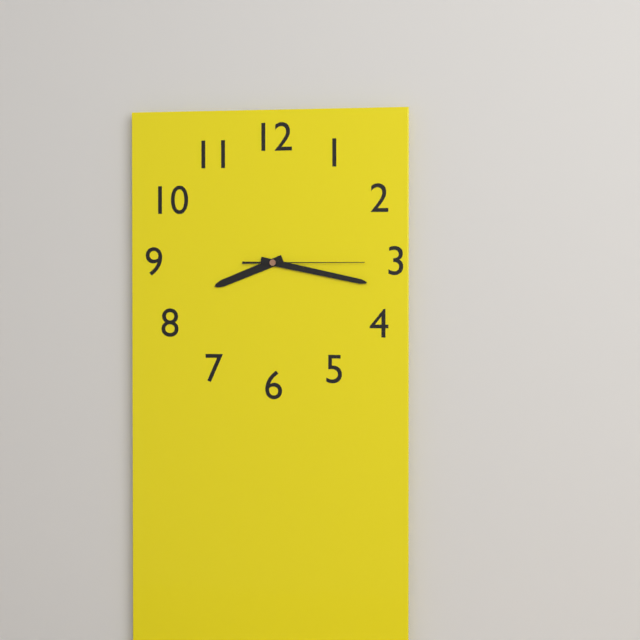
8:17:15
